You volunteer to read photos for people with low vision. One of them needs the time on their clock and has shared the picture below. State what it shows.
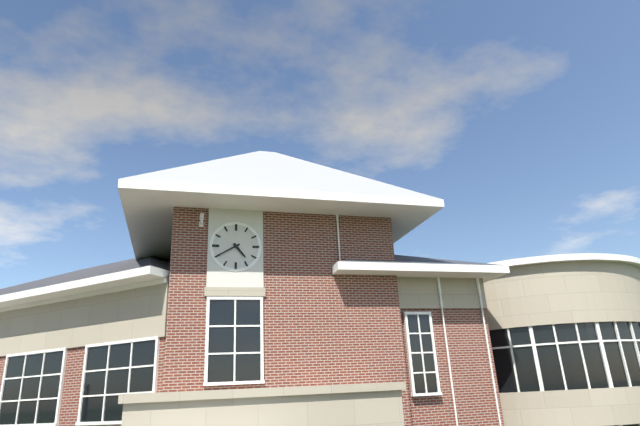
4:40
